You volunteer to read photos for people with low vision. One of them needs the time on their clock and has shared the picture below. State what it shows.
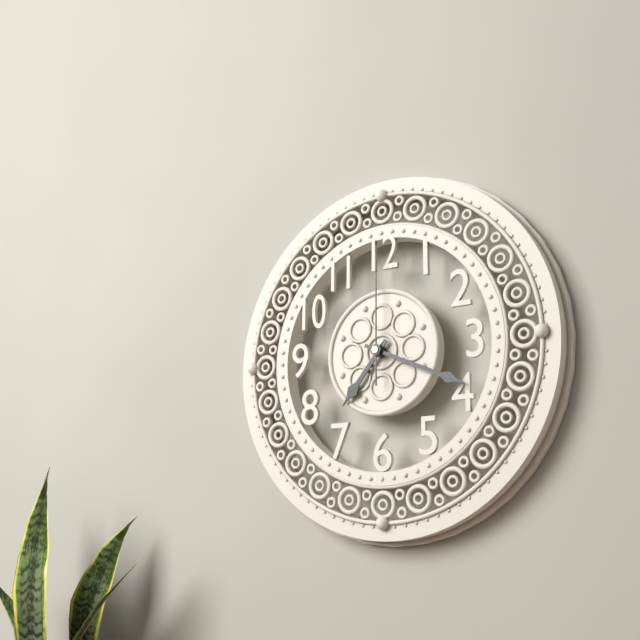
7:19:00
